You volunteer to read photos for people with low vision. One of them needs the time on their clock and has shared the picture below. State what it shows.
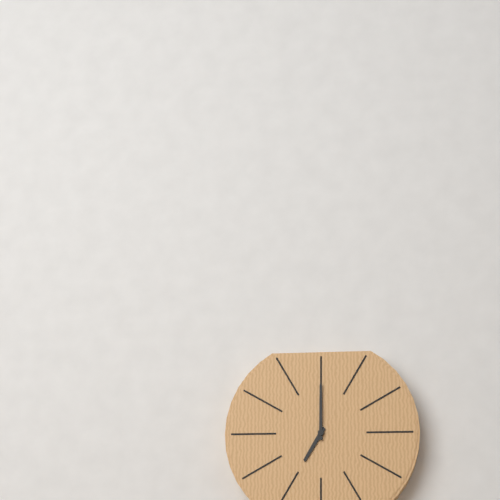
7:00
